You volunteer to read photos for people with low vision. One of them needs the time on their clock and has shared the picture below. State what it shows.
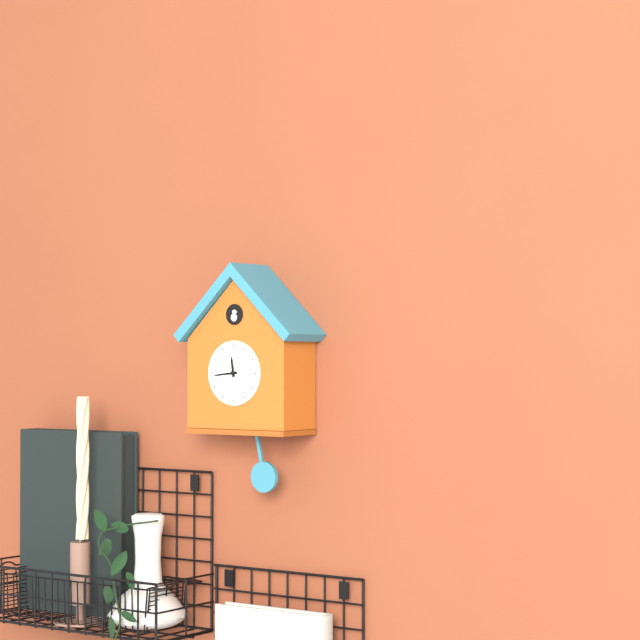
11:44
